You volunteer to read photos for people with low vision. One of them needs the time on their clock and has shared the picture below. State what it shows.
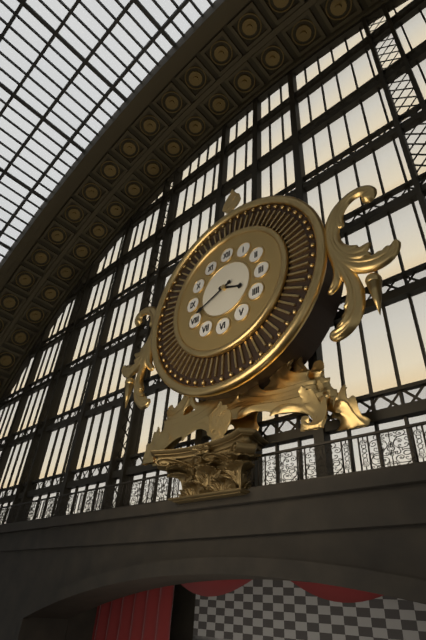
3:41
